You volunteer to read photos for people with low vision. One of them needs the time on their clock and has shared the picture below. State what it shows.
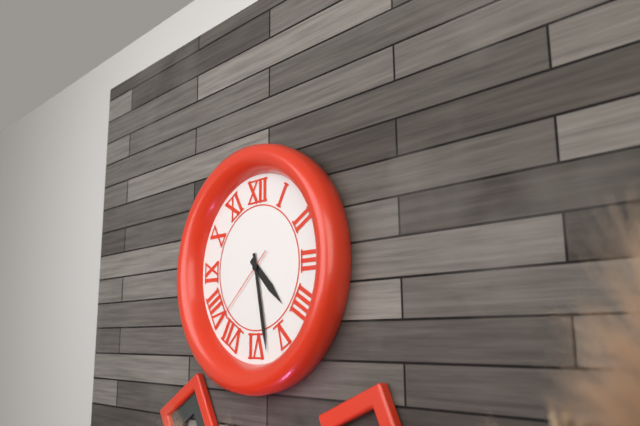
4:28:38
